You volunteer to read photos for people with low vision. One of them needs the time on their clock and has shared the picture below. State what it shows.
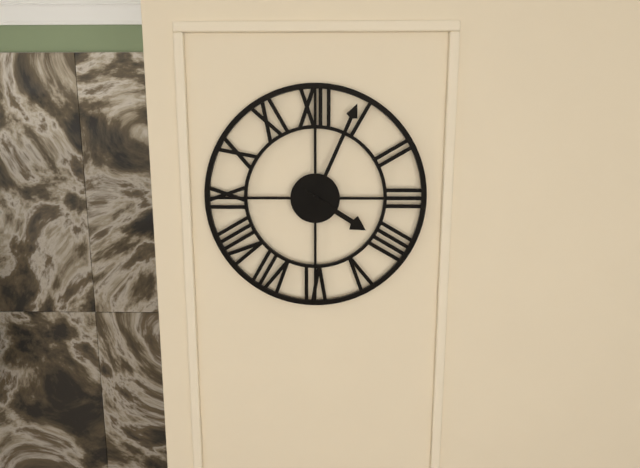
4:04
